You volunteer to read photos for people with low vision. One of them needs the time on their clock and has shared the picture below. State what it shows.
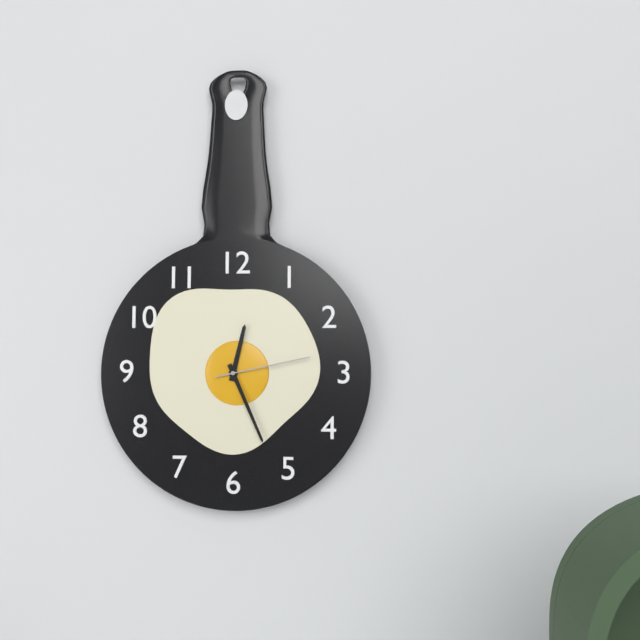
12:26:13
